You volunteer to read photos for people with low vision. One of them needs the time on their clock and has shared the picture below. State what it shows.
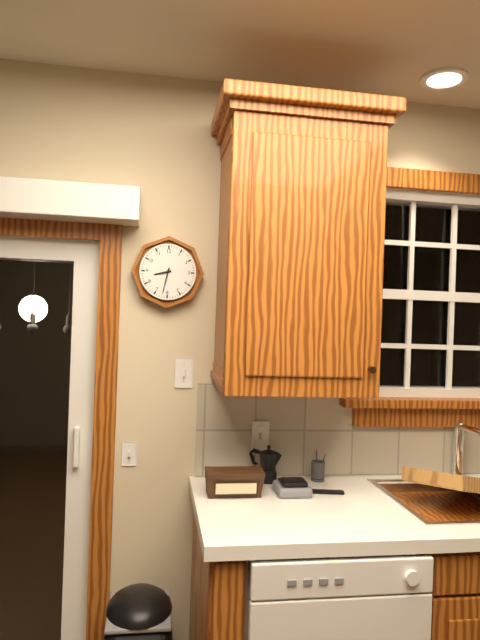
8:32
